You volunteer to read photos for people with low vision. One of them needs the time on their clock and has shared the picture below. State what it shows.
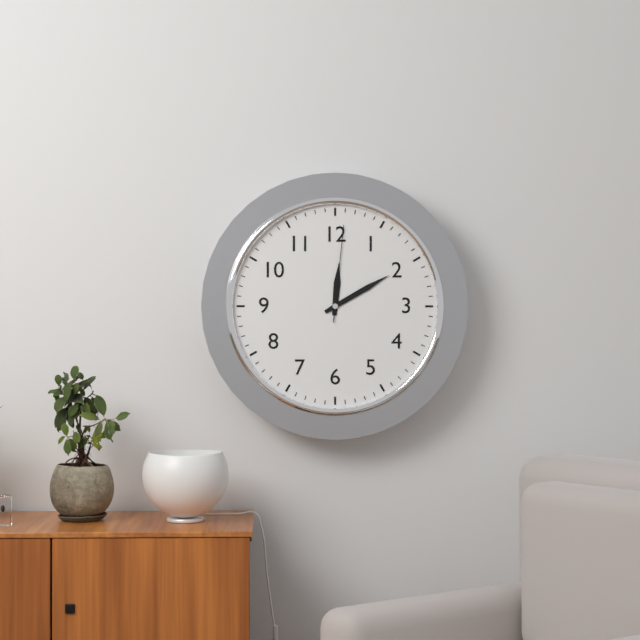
12:10:01
